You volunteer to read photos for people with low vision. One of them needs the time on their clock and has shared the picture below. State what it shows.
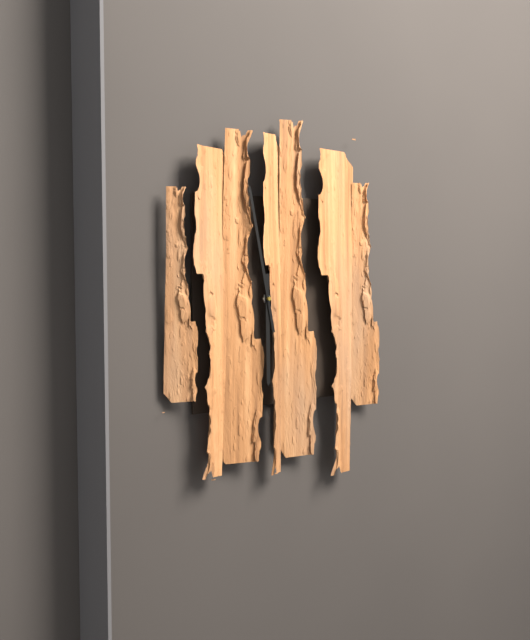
5:58
